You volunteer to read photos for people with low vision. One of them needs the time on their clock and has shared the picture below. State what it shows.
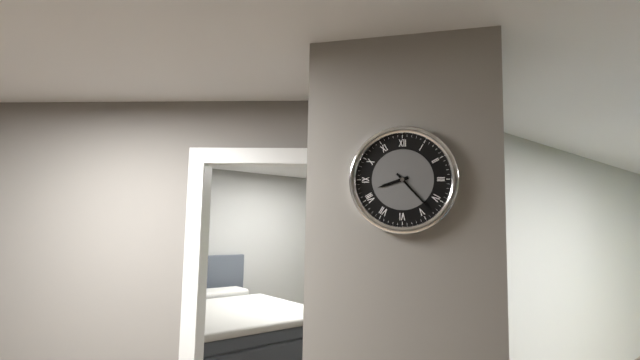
8:23
